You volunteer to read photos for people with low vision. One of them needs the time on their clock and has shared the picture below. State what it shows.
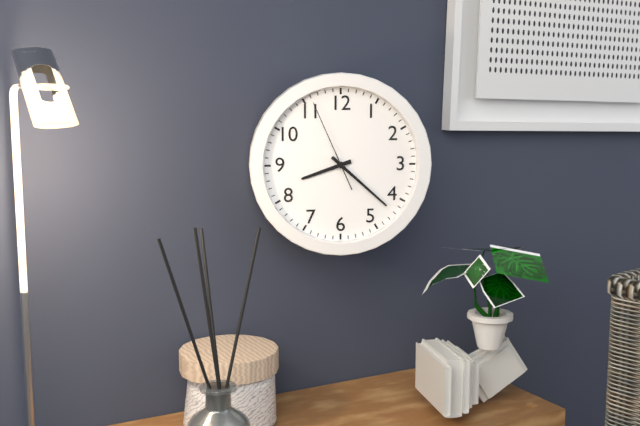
8:22:56
